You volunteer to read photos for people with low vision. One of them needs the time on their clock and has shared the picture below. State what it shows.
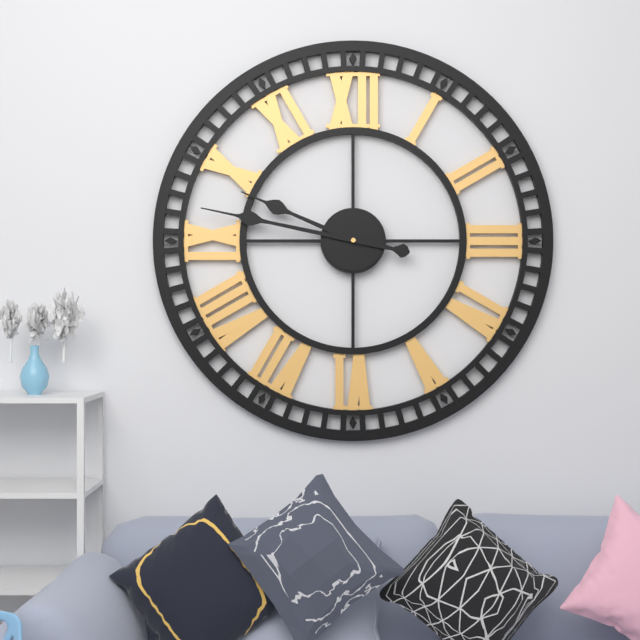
9:47
